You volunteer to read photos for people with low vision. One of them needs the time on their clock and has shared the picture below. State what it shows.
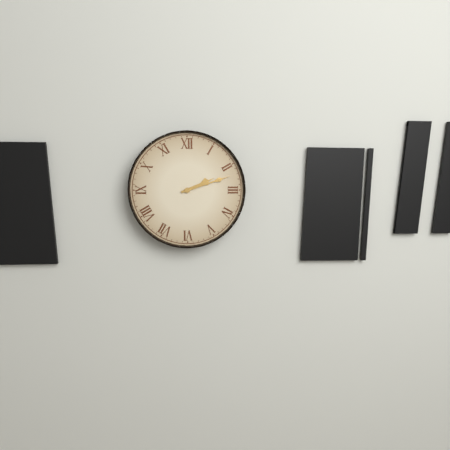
2:12
